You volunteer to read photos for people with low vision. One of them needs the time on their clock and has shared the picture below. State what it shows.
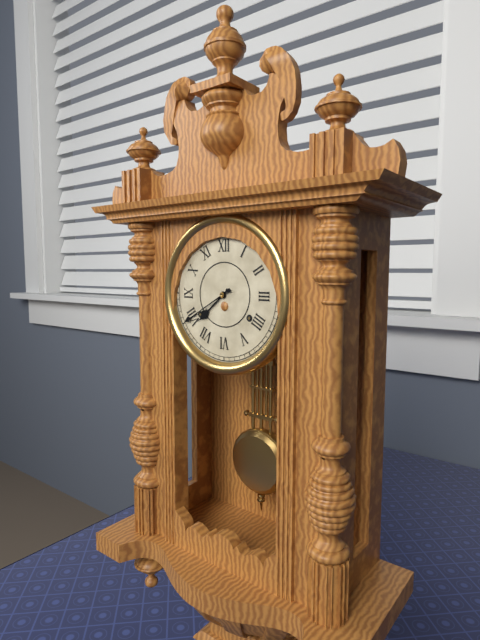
7:40
